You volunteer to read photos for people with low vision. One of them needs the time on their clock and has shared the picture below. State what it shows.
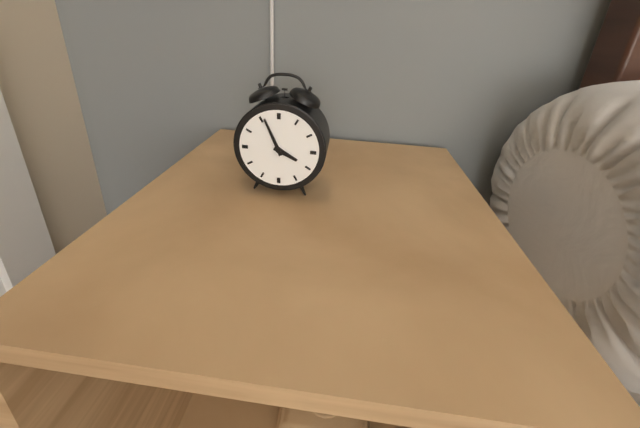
3:56
